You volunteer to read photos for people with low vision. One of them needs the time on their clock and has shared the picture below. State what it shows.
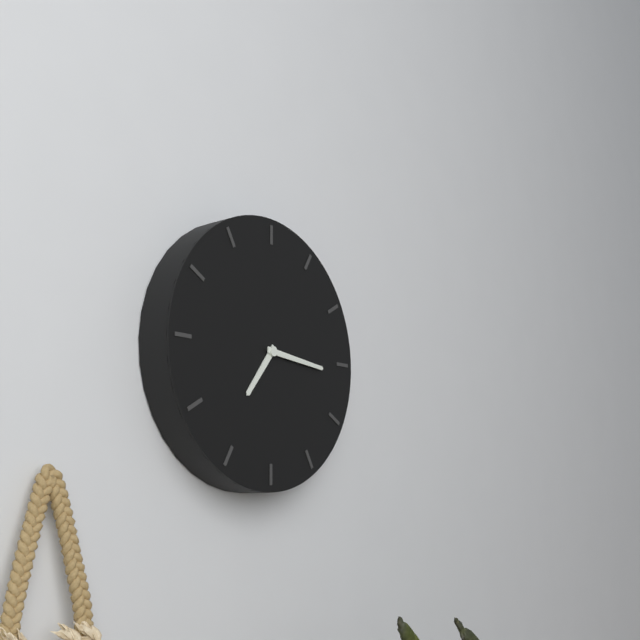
7:16
